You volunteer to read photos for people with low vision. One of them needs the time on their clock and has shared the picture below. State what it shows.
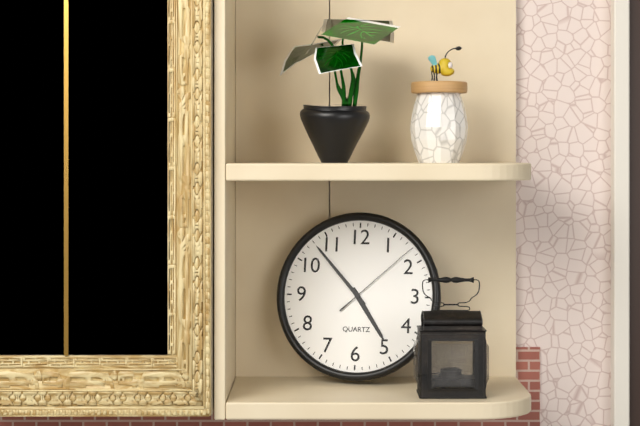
4:53:08
